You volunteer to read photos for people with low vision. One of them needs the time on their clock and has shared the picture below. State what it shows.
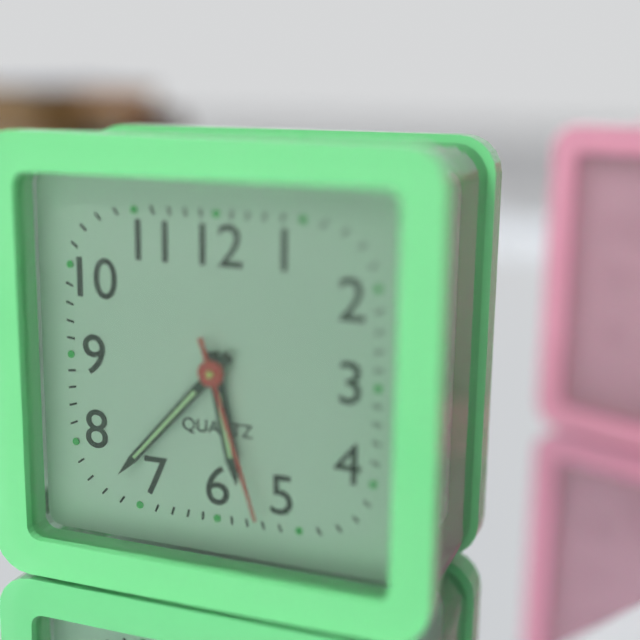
5:37:27
